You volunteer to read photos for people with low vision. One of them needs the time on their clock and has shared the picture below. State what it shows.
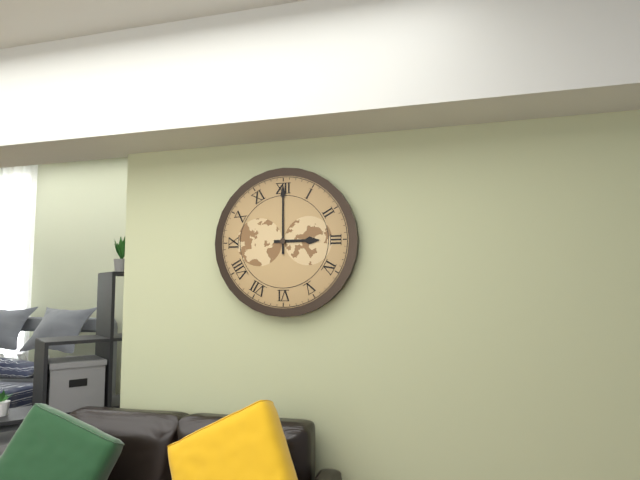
3:00
